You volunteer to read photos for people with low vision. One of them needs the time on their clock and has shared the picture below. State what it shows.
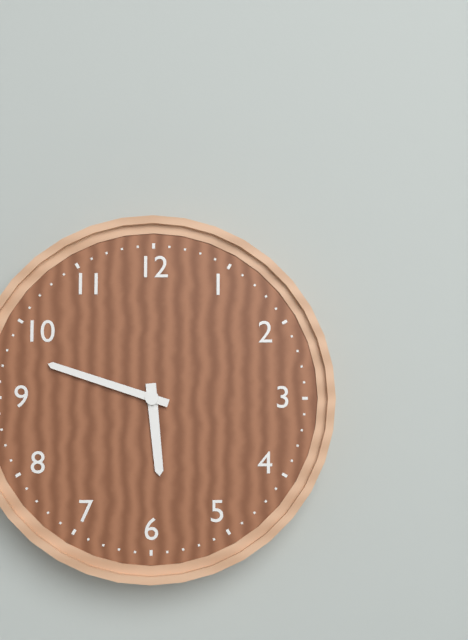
5:48
